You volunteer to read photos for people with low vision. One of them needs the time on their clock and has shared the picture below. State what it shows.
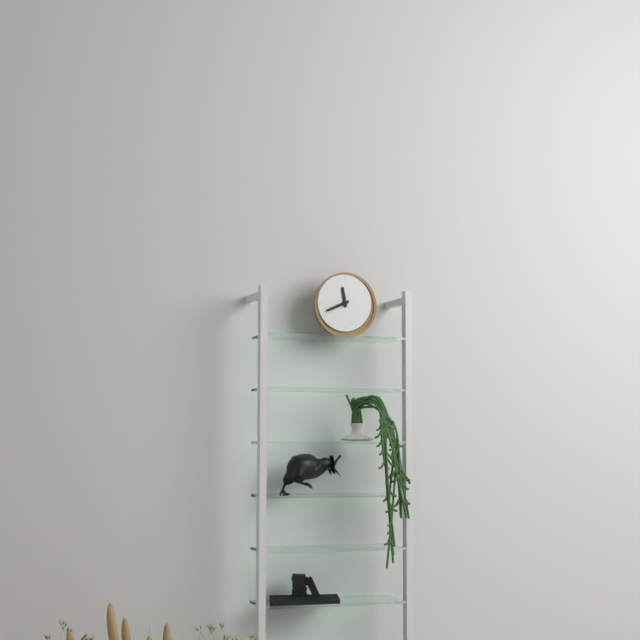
11:41
